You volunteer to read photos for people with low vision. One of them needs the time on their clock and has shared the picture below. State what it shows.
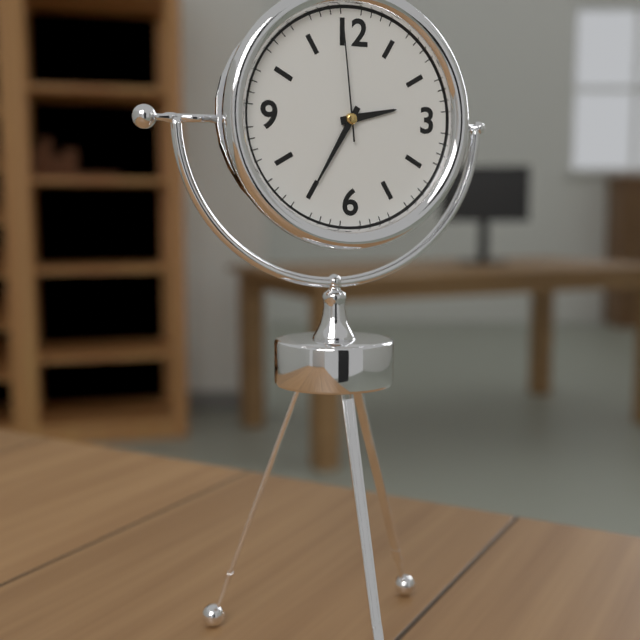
2:35:59
